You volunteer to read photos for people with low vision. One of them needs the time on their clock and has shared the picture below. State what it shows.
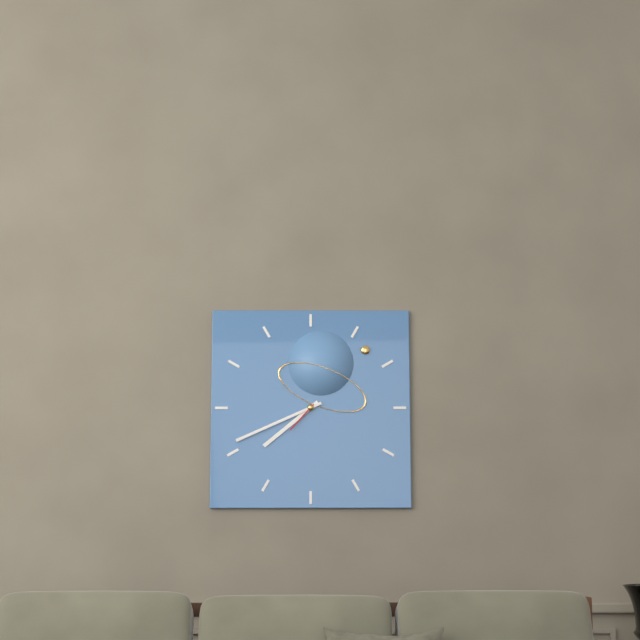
7:41
